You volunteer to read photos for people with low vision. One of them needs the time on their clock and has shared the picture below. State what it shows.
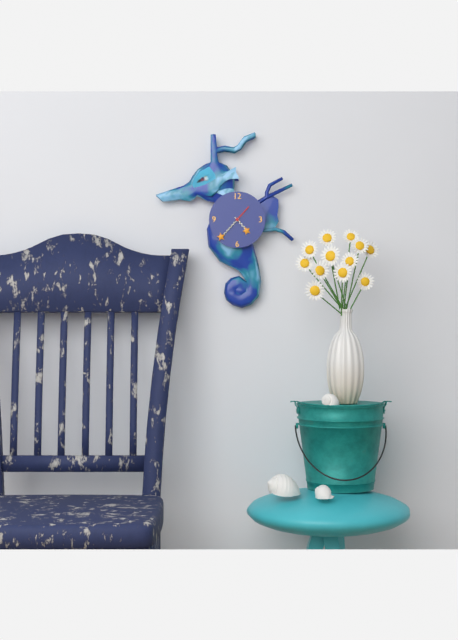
4:37
